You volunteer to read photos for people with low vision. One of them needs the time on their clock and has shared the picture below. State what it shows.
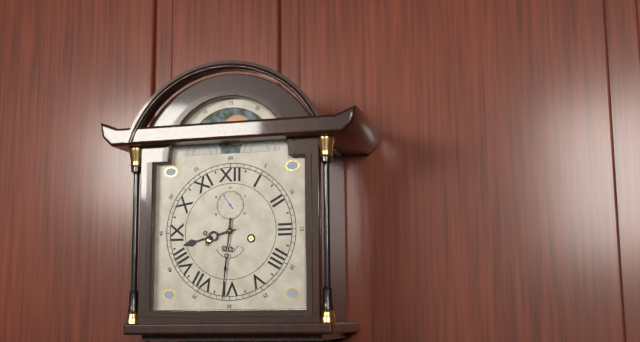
8:31
